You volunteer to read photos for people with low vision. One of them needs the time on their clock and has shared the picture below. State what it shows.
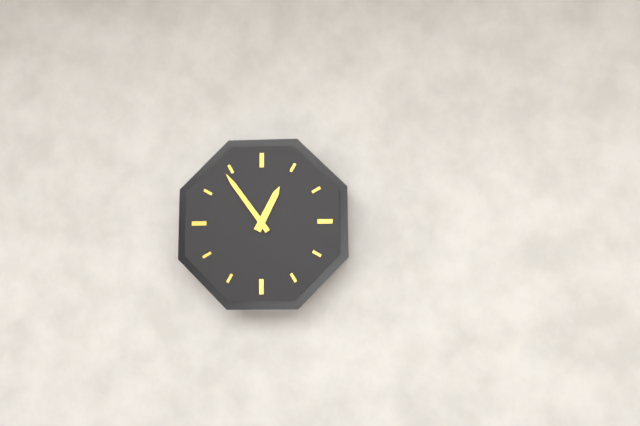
12:54
